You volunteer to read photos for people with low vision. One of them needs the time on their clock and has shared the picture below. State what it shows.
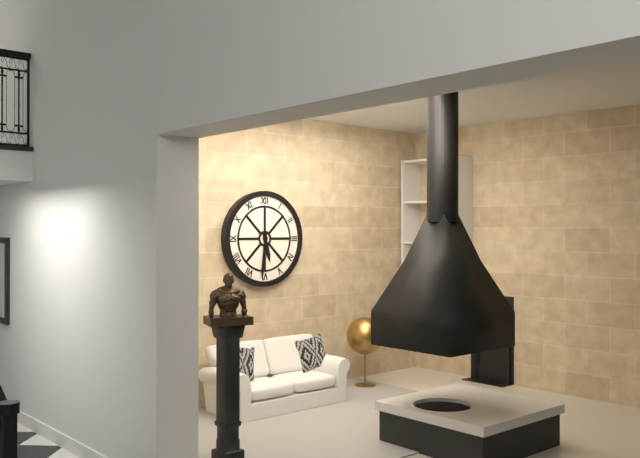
5:31
